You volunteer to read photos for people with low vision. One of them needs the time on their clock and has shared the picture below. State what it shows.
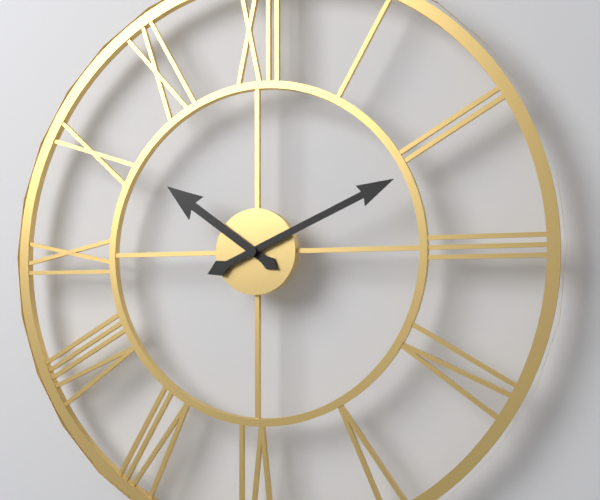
10:11
